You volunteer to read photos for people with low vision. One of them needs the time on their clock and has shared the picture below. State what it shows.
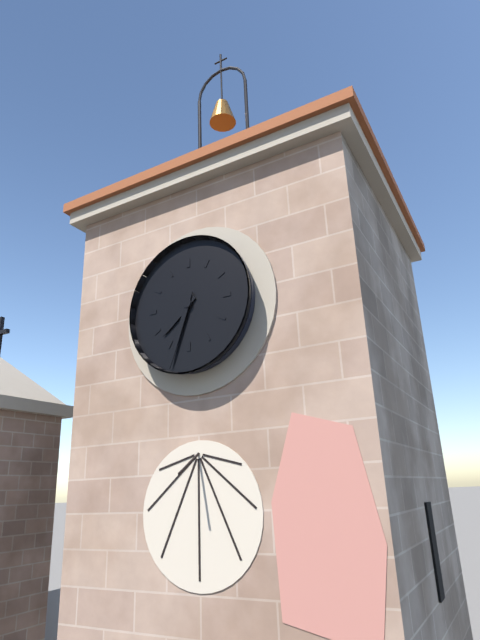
7:33
